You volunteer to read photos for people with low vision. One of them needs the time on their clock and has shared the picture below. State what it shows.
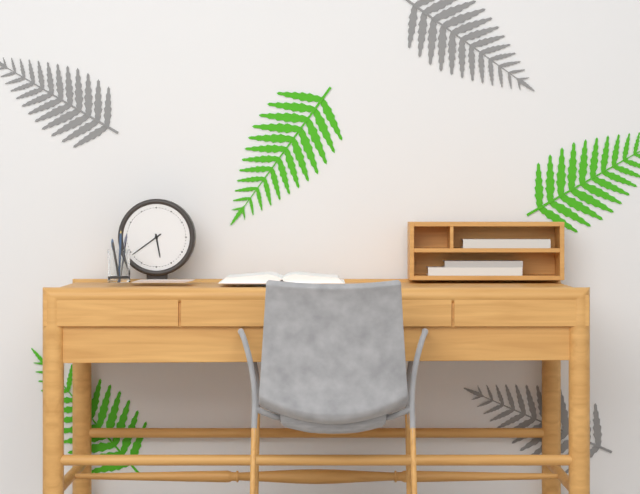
5:39
